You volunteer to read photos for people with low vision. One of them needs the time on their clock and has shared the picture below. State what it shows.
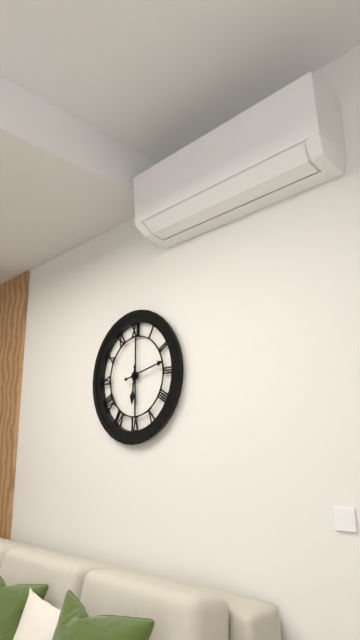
6:13
